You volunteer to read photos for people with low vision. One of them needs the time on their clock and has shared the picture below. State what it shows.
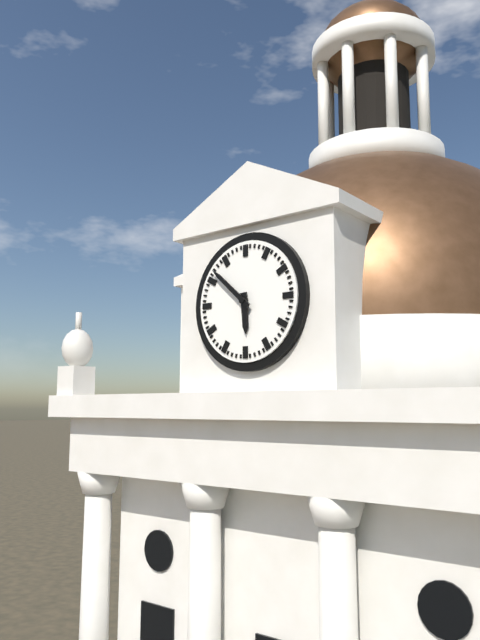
5:52
